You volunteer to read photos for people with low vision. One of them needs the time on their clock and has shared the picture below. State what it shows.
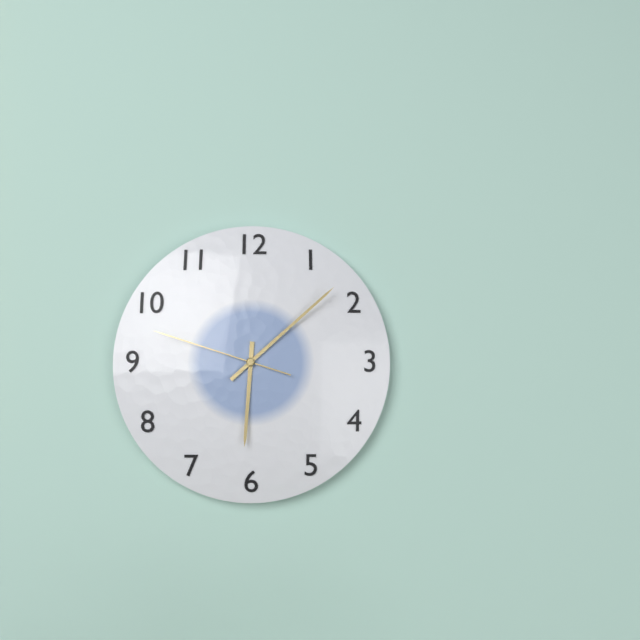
6:08:48
